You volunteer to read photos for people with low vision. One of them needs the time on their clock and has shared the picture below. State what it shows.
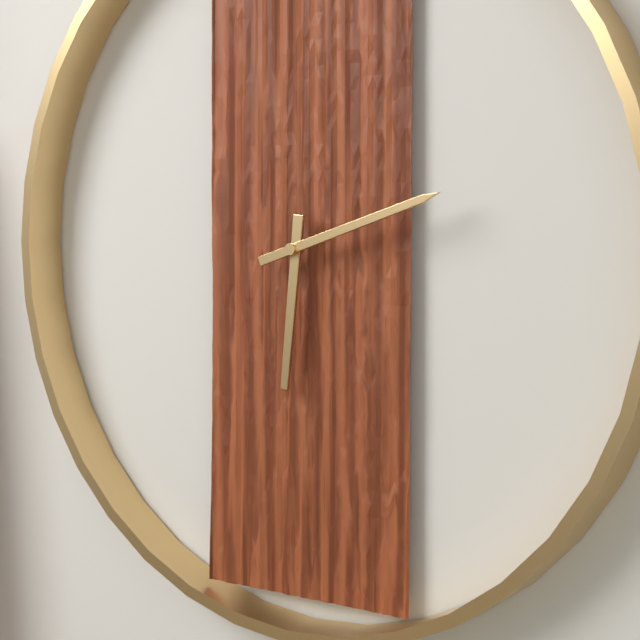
6:12
